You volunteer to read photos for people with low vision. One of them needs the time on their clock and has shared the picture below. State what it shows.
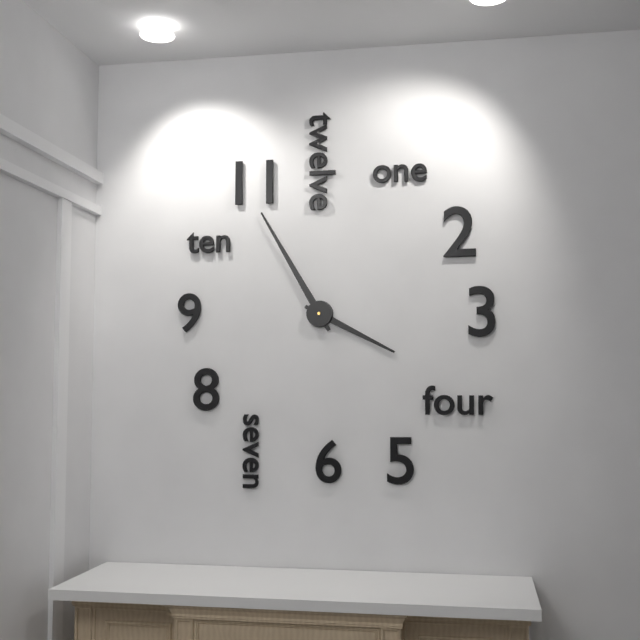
3:55
